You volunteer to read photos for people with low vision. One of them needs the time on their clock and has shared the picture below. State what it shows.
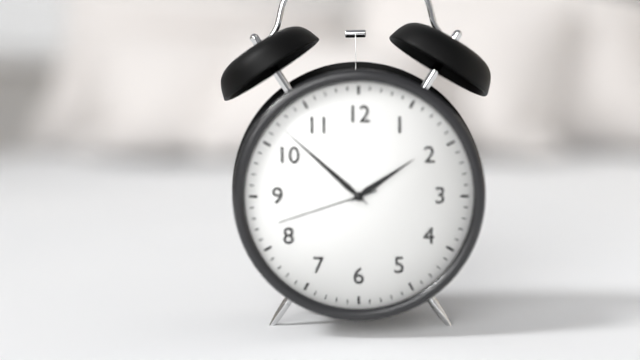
1:52:42
